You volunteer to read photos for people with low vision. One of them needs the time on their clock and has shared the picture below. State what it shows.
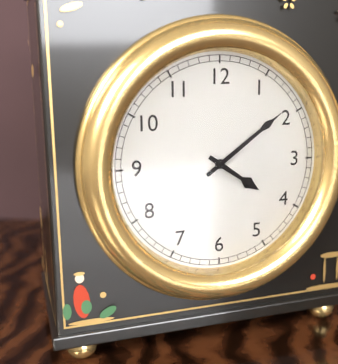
4:09
